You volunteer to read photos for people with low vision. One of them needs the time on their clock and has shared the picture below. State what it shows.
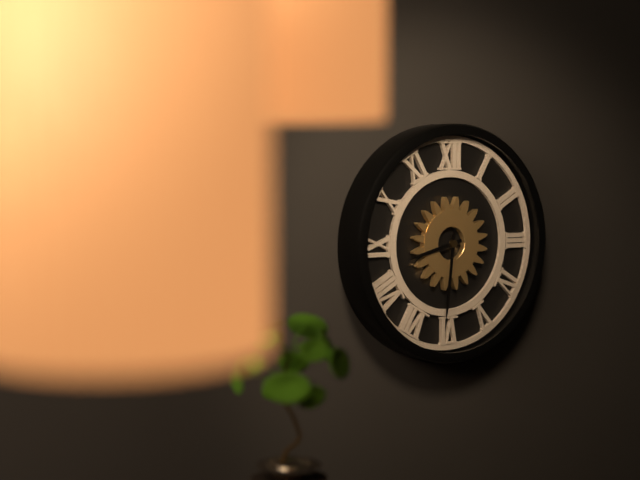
8:31
